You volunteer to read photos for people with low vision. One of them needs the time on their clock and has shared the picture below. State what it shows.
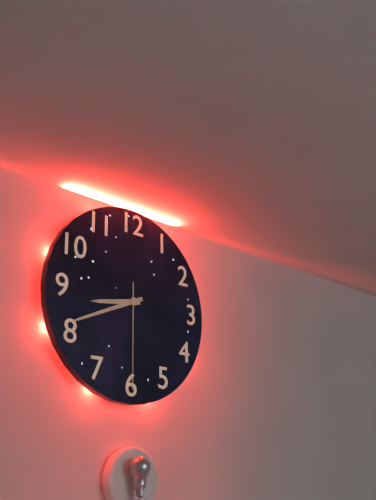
8:41:30
